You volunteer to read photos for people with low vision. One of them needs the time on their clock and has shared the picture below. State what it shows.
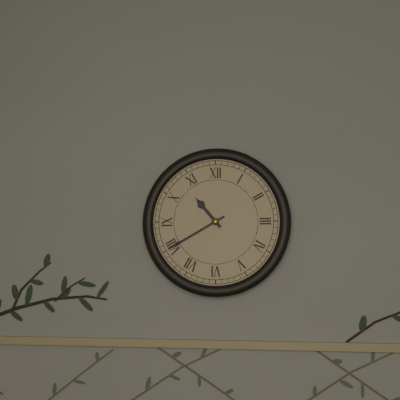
10:40
